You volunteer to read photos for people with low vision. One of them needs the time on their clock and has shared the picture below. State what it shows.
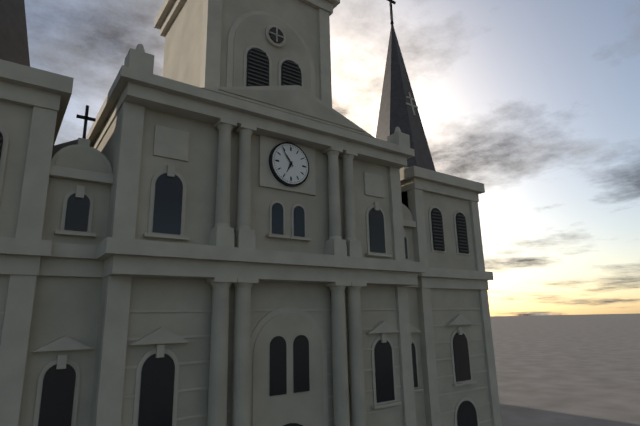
6:54
